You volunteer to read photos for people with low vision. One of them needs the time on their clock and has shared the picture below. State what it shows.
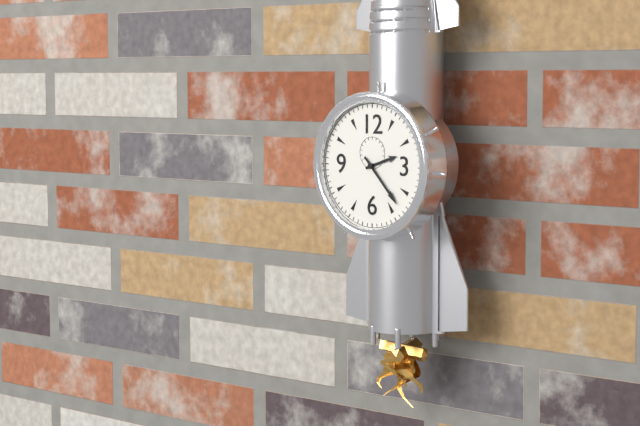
2:23
